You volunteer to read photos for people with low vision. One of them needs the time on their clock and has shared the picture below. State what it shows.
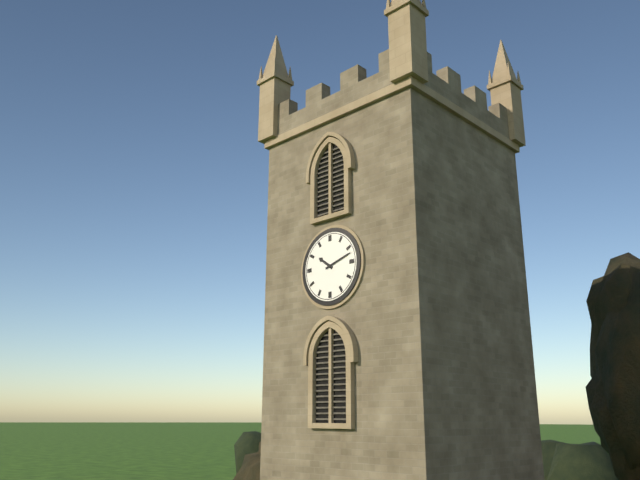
10:12
